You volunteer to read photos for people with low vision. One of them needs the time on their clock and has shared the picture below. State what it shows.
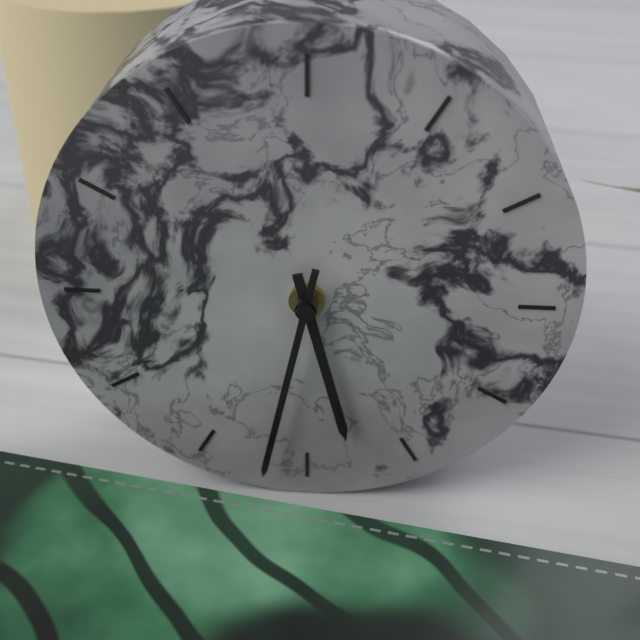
5:32
